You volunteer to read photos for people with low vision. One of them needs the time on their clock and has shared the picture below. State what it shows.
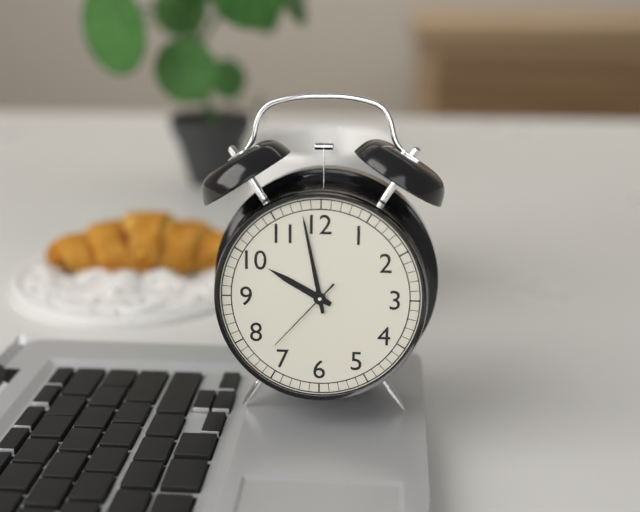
9:58:37
